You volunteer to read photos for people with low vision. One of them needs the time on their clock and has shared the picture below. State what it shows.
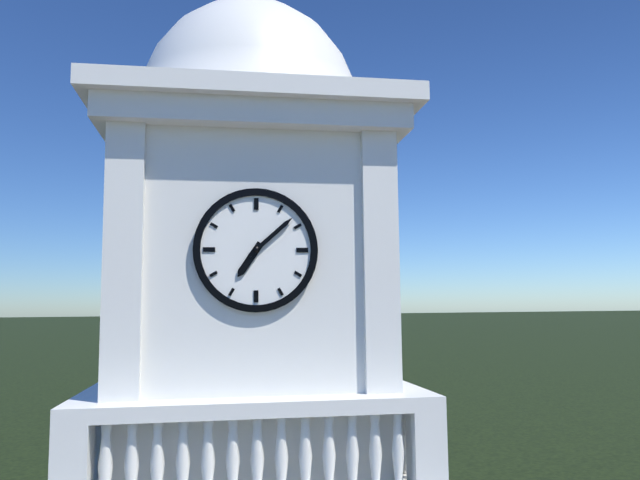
7:08
